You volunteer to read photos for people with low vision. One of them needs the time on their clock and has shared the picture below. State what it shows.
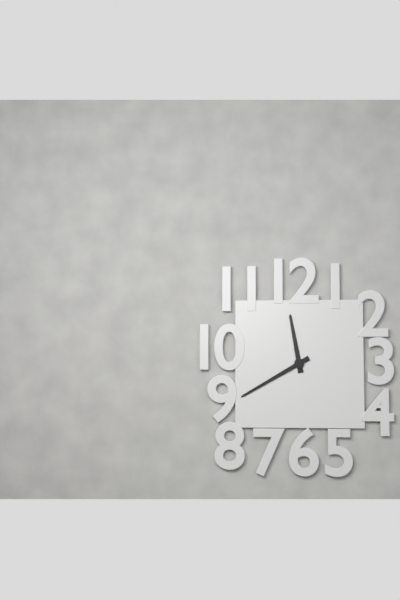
11:40
